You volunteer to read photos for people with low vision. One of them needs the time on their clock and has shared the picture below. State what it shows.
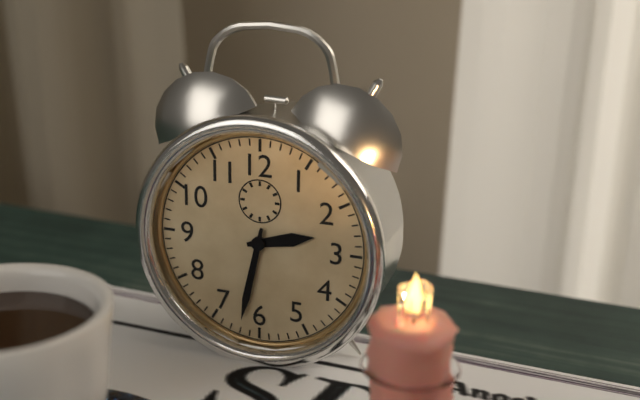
2:32
